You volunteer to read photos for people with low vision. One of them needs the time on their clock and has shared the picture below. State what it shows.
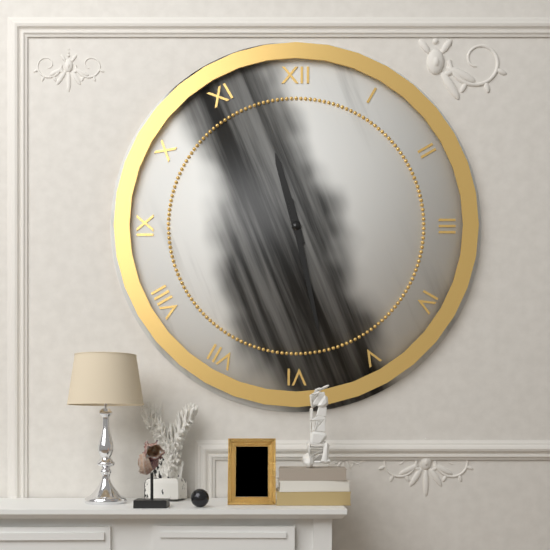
11:28
